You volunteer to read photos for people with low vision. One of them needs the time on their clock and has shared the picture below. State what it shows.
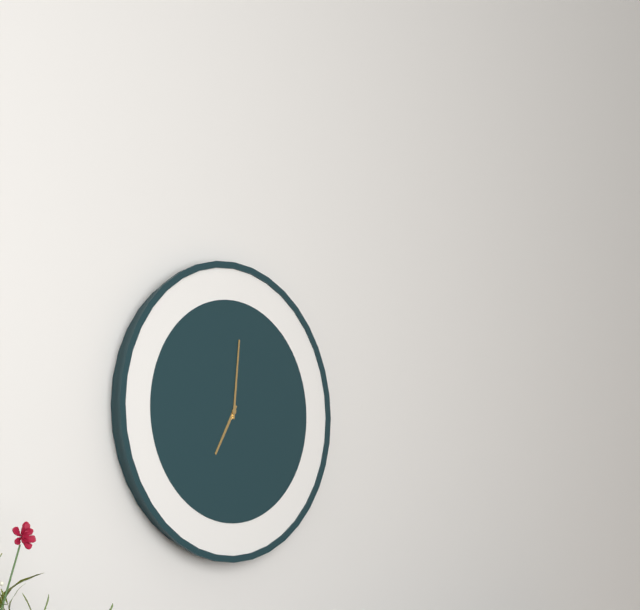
7:01
